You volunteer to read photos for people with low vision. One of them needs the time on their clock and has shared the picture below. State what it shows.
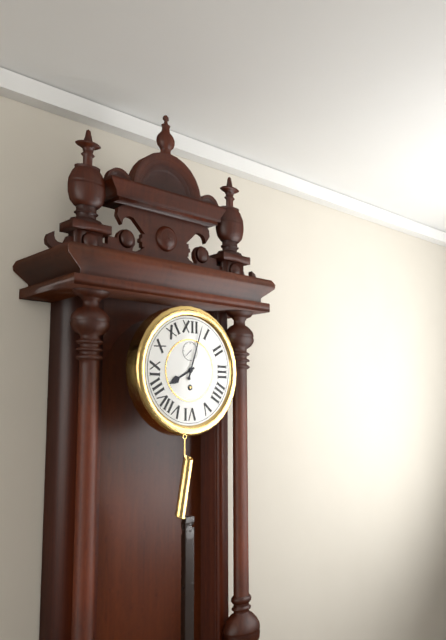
8:03
